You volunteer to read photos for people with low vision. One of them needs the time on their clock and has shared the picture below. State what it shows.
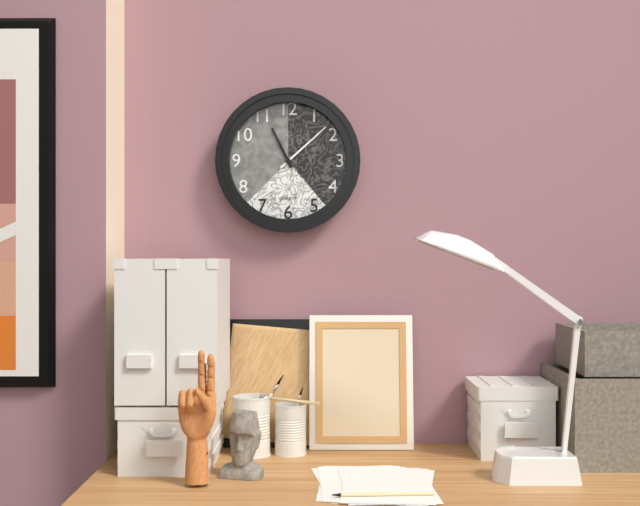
11:08
